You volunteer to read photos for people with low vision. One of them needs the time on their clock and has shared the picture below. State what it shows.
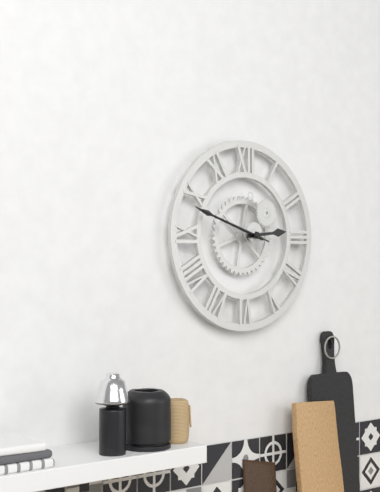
2:48:48
